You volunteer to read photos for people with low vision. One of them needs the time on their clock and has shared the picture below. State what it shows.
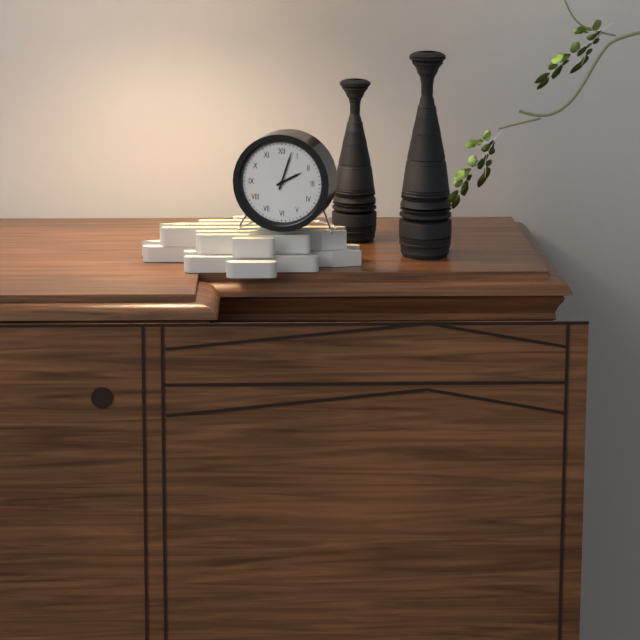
2:03
